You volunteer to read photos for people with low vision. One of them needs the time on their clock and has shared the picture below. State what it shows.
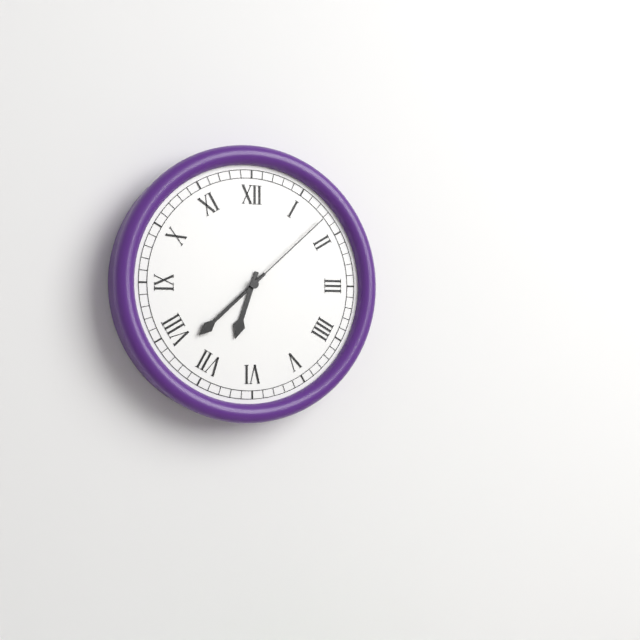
6:38:08
